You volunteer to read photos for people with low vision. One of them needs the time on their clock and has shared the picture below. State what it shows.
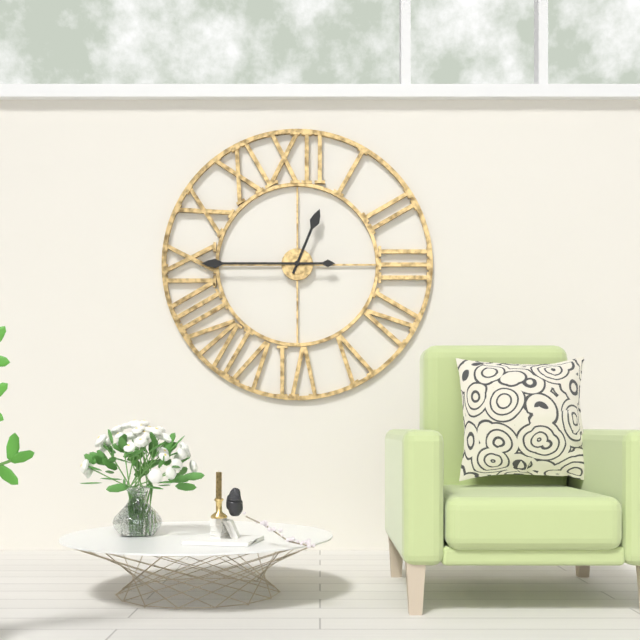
12:45
